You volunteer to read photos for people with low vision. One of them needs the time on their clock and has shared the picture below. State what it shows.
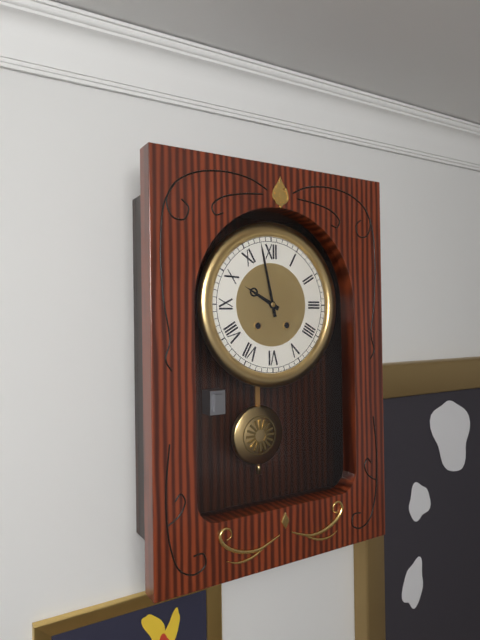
9:58
